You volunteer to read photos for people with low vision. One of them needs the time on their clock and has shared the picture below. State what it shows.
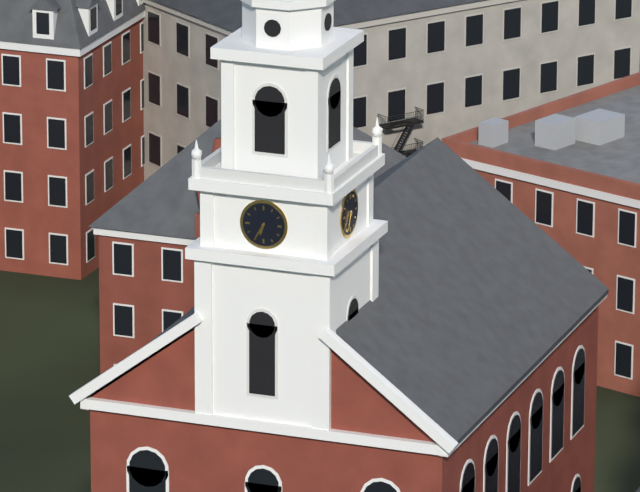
6:35
